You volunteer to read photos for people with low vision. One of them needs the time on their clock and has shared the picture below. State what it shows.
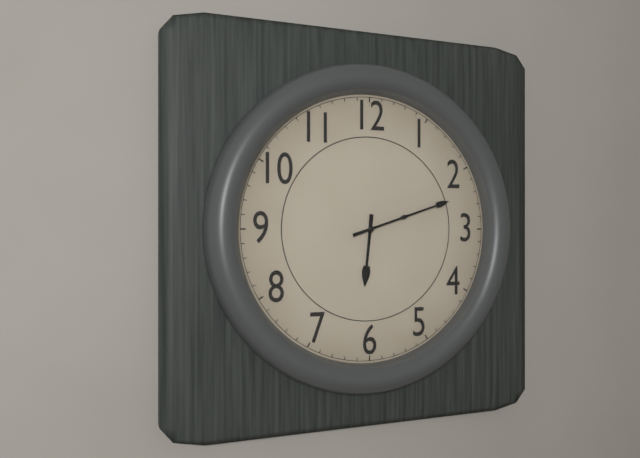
6:12
